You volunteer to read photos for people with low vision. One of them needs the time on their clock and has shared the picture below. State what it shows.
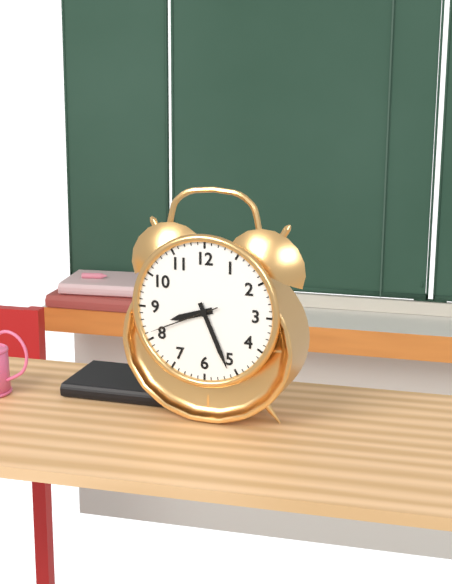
8:26:41
